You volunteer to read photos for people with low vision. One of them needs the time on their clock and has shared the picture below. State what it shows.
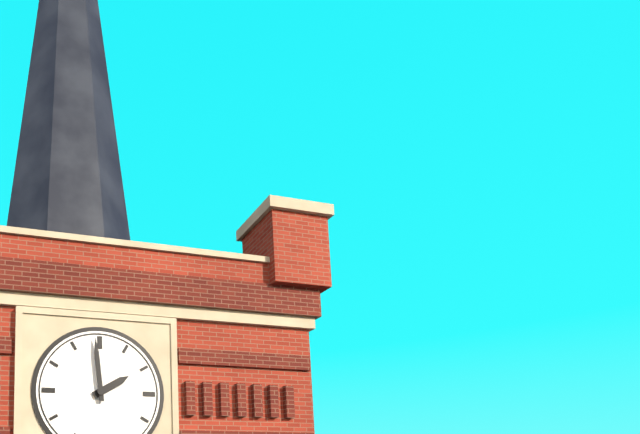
1:59
